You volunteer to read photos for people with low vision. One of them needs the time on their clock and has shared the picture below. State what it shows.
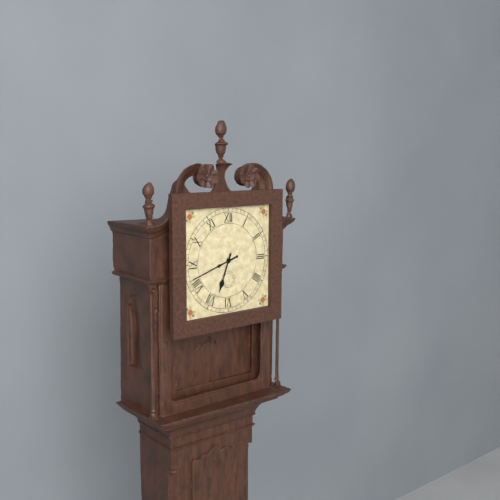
6:42
